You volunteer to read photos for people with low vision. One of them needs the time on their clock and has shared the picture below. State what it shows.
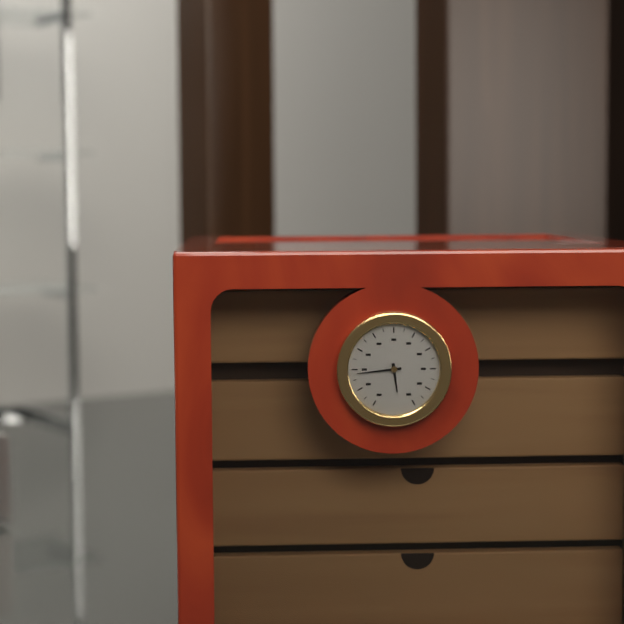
5:44
